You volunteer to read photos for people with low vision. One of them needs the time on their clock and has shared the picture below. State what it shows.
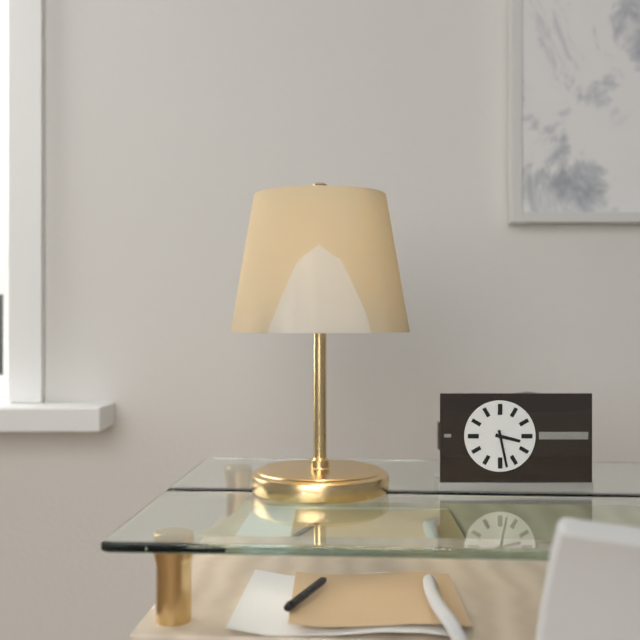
3:28
